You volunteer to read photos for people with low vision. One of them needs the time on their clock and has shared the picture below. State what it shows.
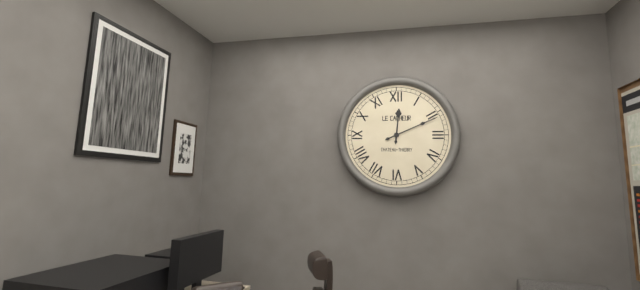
12:11
